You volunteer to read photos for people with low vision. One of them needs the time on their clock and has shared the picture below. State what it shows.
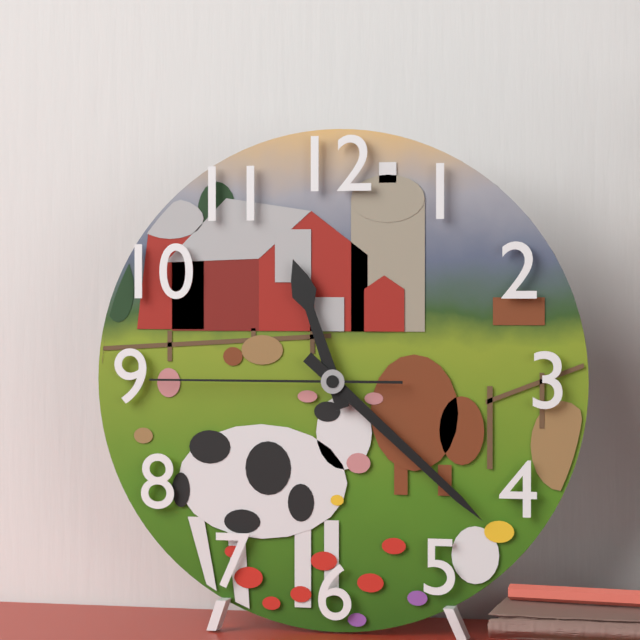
11:22:45
